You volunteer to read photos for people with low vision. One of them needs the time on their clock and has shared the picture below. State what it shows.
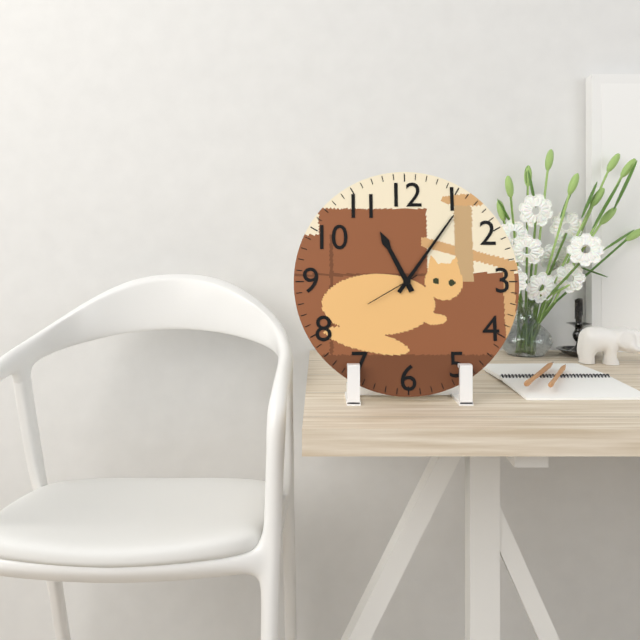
11:06:40
